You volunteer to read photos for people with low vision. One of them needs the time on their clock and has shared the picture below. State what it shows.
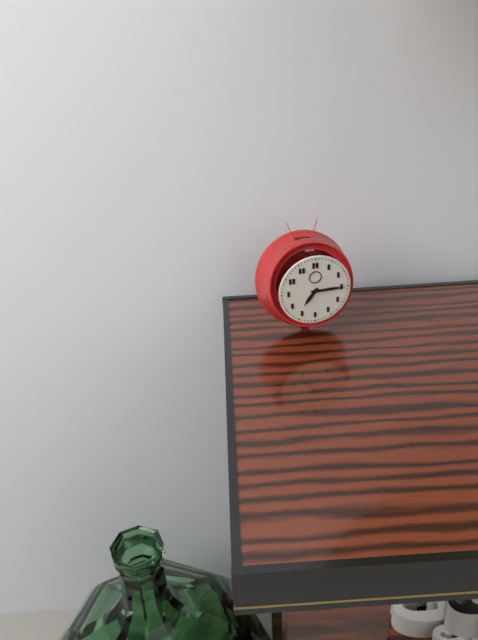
7:15
